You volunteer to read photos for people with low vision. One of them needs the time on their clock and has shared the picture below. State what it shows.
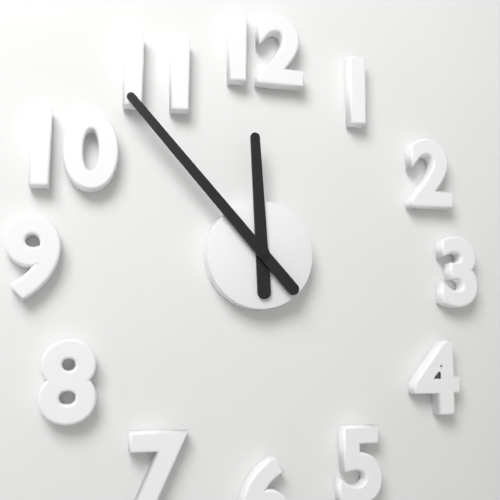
11:53
